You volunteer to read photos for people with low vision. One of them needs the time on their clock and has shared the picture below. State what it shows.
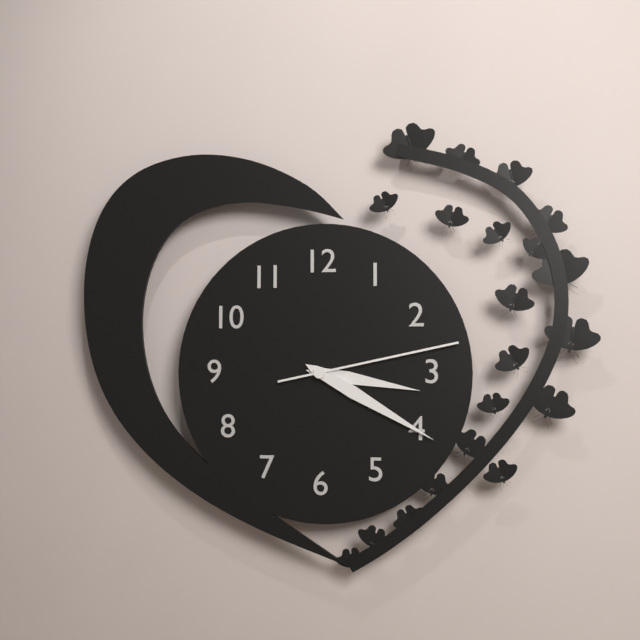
3:20:13
